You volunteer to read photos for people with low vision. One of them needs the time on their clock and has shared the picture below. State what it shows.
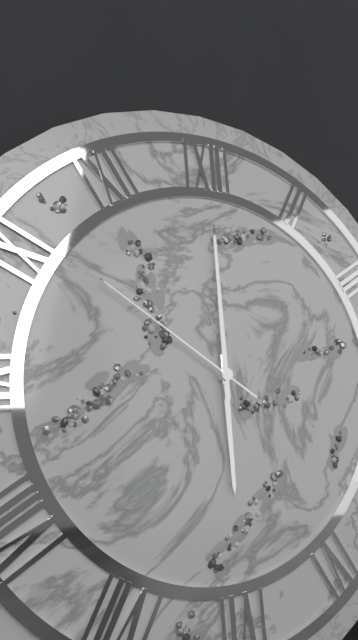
6:00:51
